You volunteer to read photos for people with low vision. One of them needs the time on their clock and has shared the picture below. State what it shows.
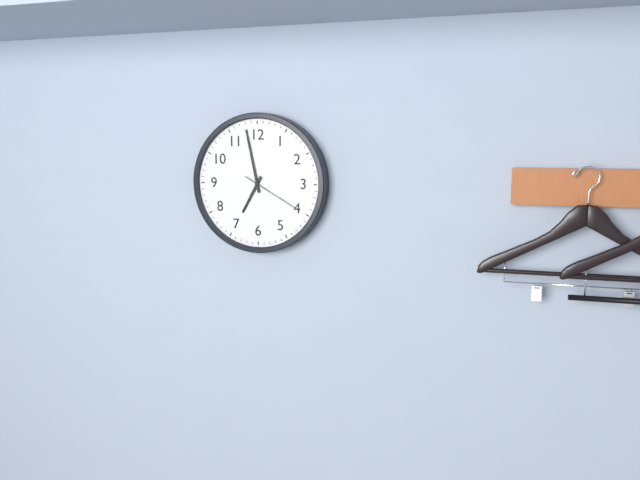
6:58:20
